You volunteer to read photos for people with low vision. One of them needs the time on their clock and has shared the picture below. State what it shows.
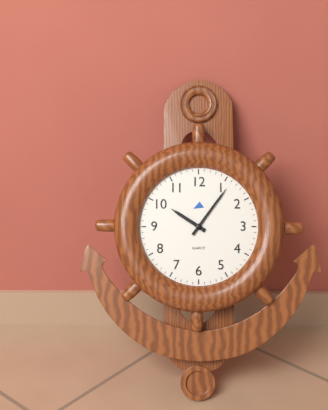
10:06
